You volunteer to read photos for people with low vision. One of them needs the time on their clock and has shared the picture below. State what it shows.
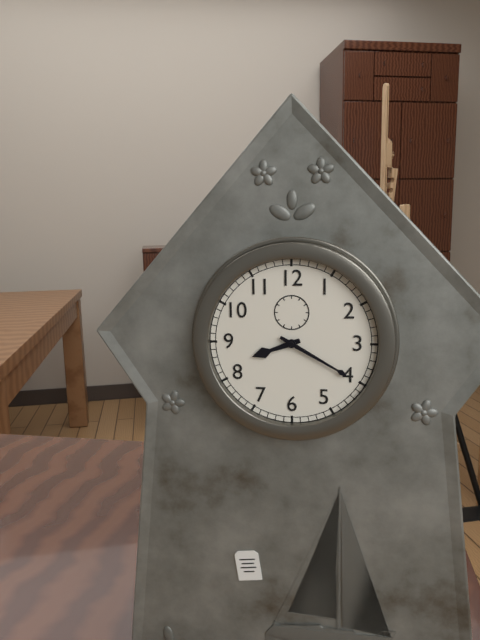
8:20
